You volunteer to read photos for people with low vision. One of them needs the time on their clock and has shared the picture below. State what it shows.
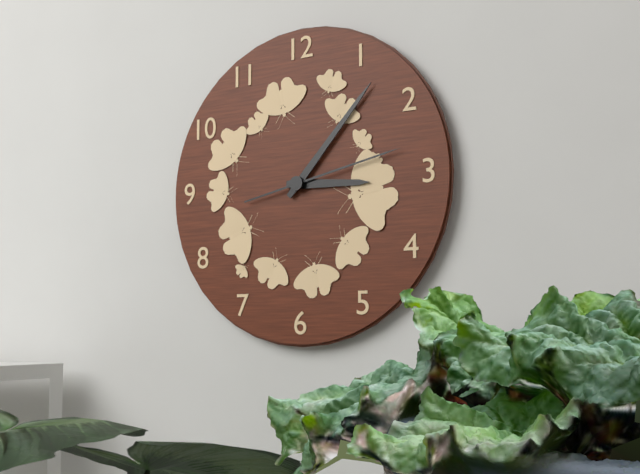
3:07:13
